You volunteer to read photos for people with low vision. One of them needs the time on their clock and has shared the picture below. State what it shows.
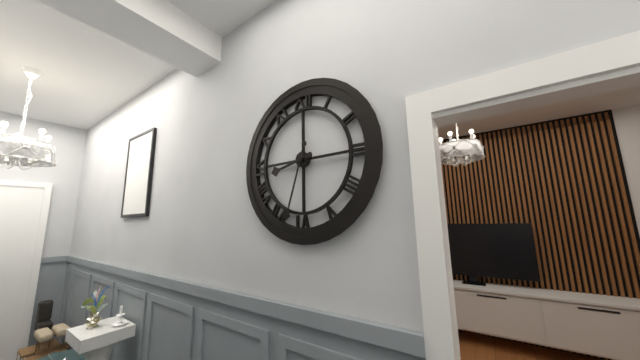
8:33
